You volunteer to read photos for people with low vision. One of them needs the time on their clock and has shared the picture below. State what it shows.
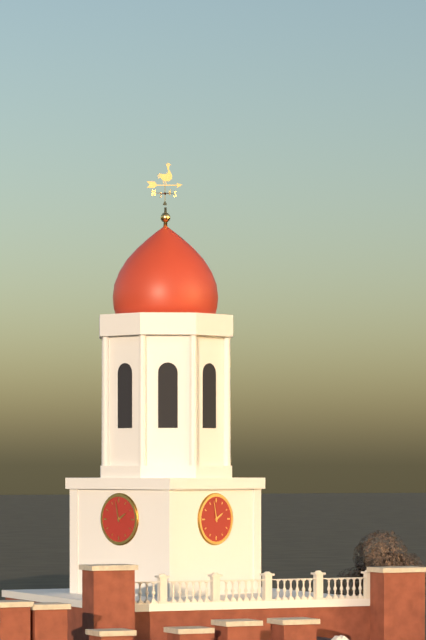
1:58
